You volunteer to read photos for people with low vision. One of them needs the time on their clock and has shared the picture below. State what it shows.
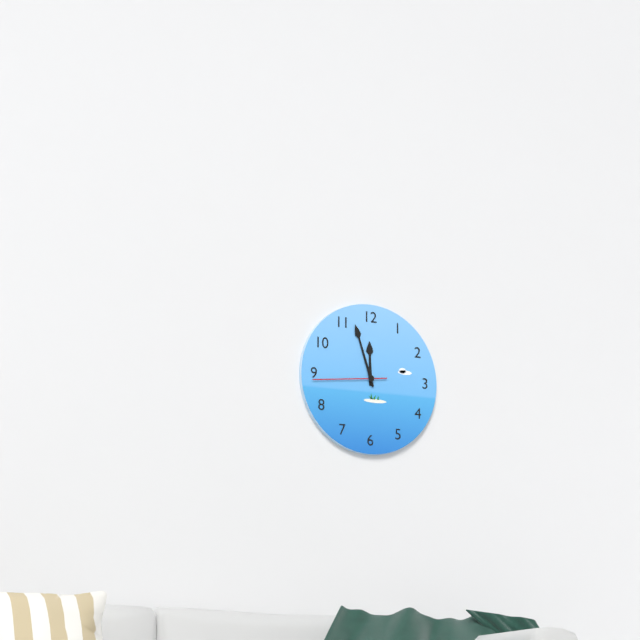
11:57:44
